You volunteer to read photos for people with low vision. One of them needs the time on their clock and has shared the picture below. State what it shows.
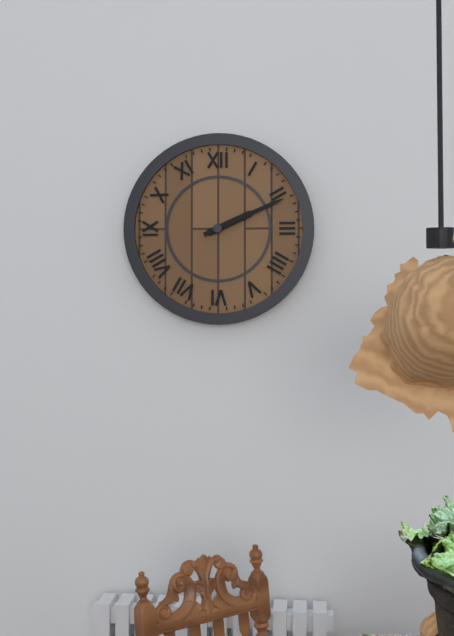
2:11
